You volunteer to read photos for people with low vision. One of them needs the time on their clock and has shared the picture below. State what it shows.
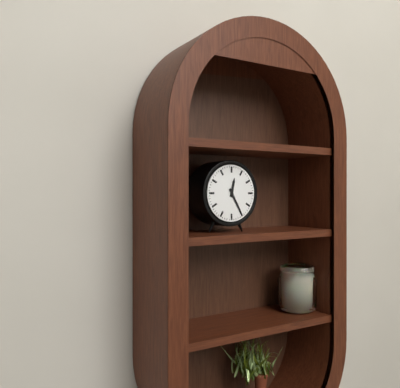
12:25
